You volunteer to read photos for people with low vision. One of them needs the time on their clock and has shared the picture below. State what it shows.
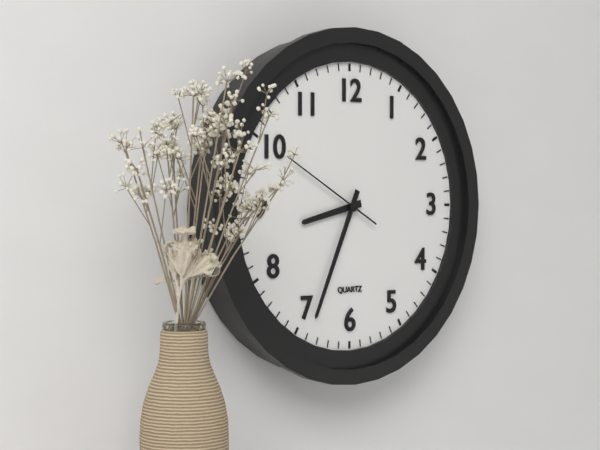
8:34:50
